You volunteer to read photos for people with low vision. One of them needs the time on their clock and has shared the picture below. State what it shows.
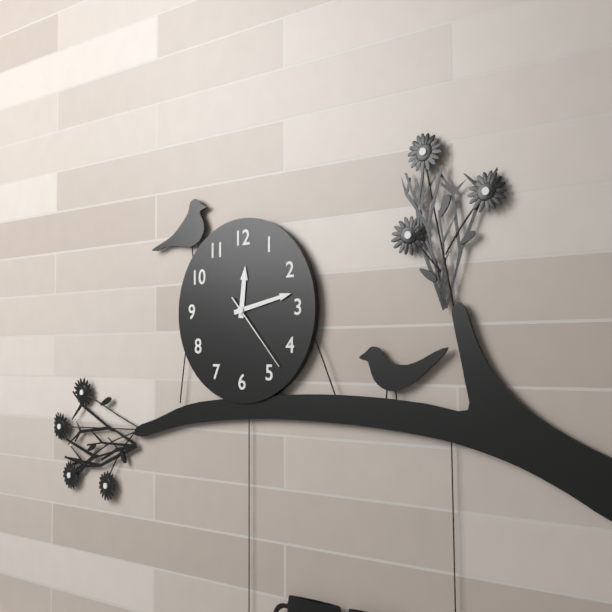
12:13:23
